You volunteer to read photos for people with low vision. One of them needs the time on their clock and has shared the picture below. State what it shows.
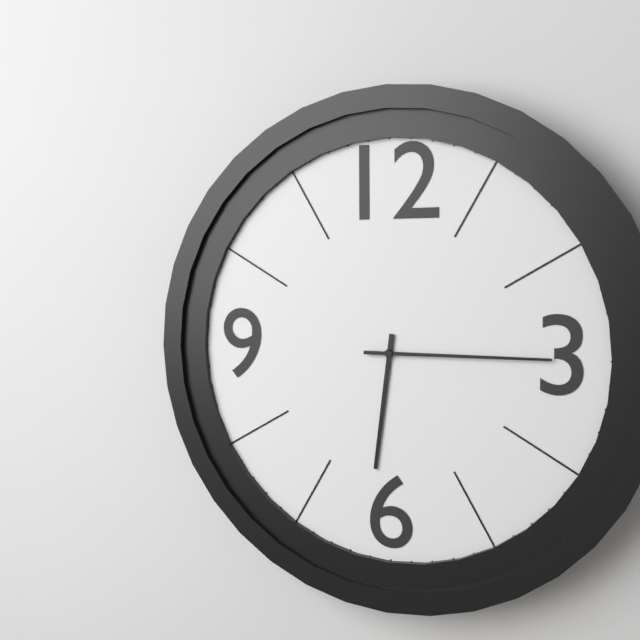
6:15
